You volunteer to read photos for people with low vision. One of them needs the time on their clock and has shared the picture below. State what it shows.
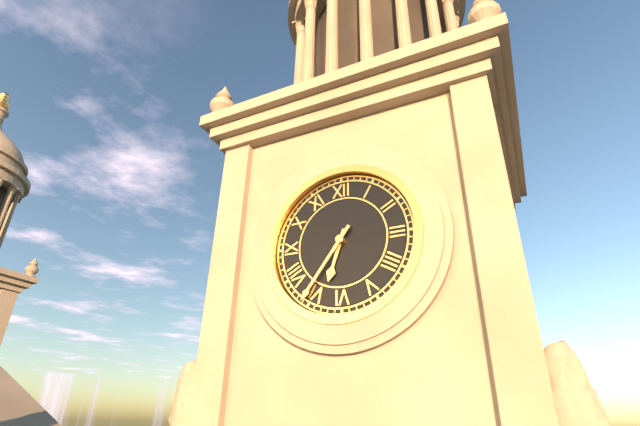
6:36
